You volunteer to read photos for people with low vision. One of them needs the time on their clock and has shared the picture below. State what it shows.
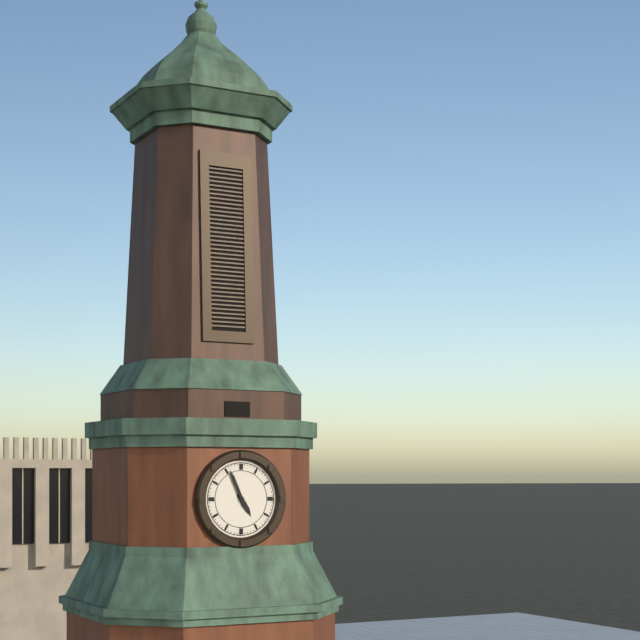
4:56
